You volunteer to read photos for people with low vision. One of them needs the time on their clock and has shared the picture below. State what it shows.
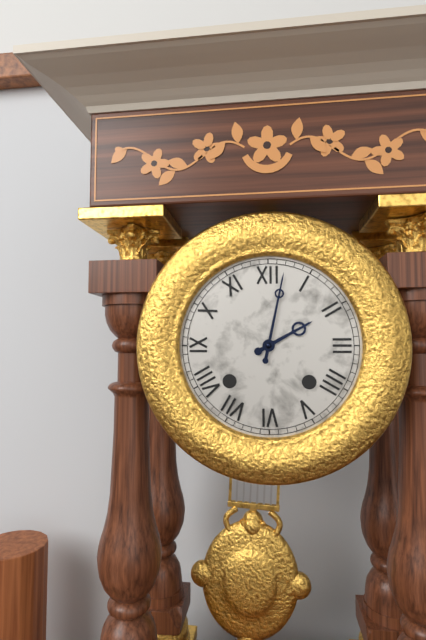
2:02
